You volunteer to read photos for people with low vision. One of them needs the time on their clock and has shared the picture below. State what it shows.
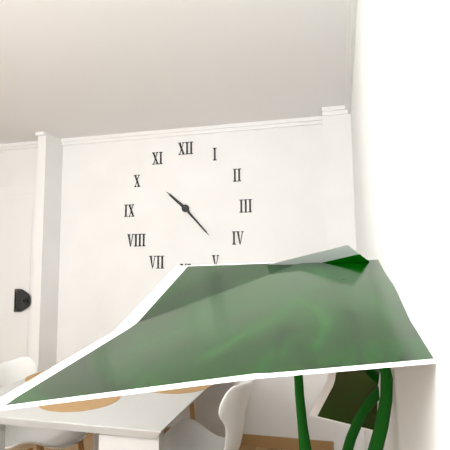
10:23
